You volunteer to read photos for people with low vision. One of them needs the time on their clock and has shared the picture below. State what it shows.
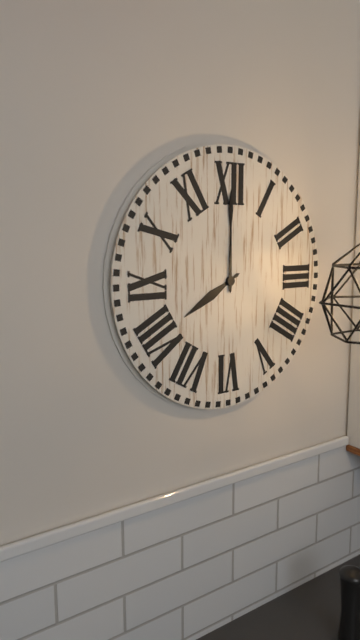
8:00
